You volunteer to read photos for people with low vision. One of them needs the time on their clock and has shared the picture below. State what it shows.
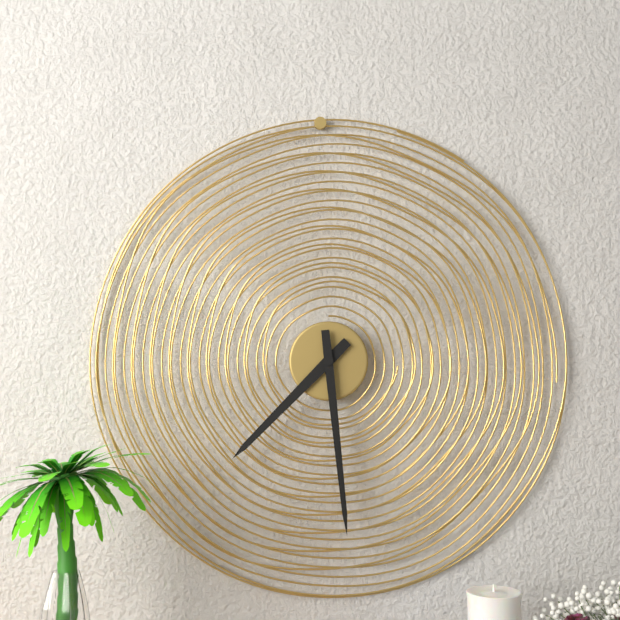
7:29
